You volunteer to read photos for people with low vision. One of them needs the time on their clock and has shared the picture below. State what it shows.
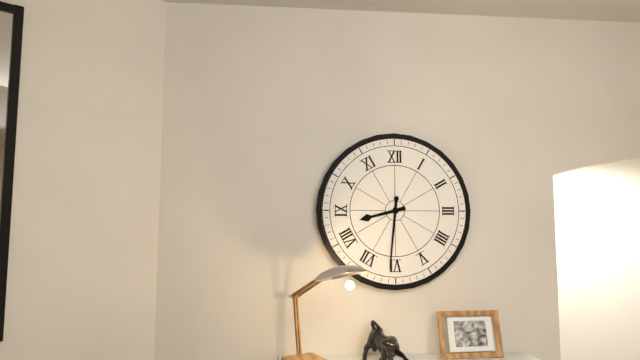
8:31
